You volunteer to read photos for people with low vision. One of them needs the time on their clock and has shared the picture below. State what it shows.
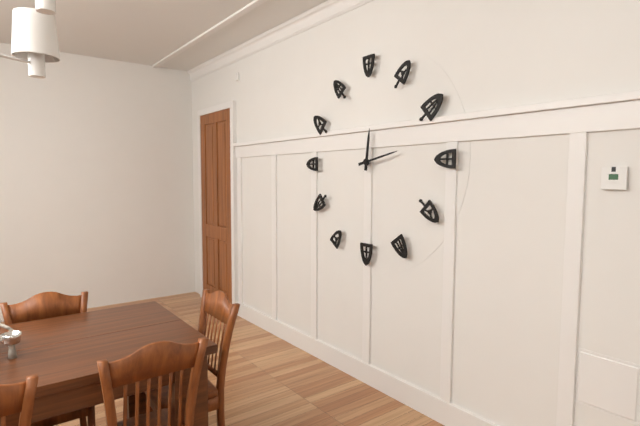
12:13
